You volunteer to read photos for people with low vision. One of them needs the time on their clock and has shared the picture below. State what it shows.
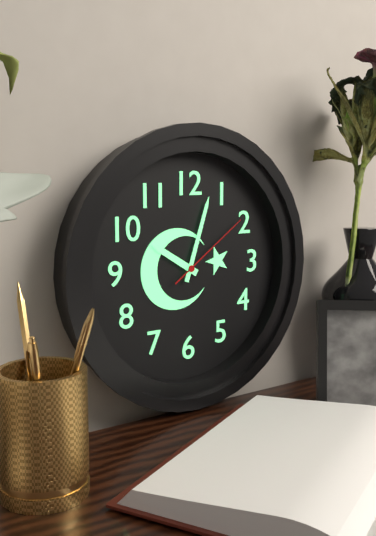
10:03:09
